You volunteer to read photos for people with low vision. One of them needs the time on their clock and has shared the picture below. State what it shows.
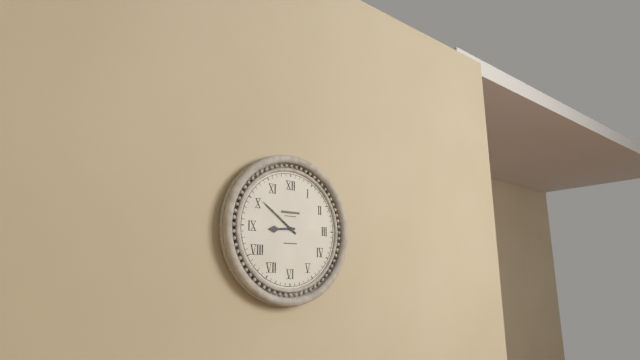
8:51
